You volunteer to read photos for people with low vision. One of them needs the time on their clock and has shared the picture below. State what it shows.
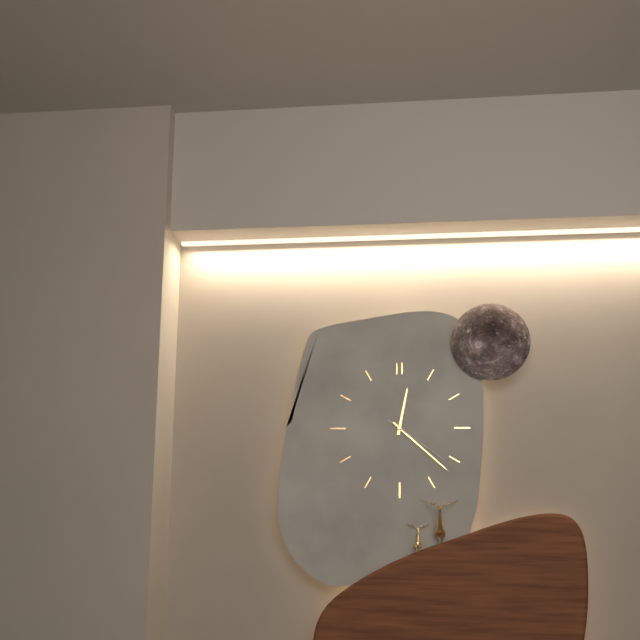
12:22:21
